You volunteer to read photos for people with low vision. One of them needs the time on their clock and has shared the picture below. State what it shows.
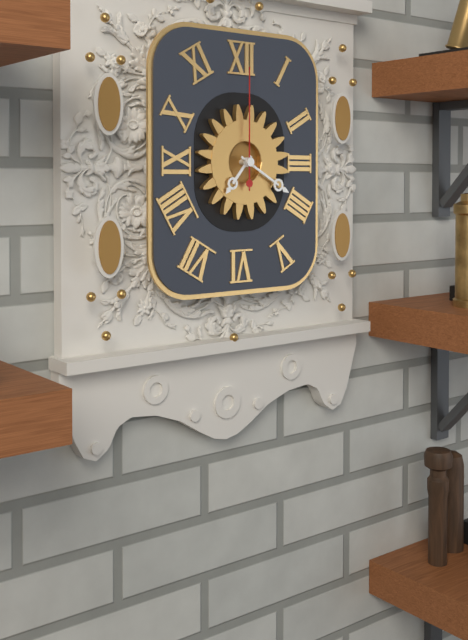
7:20:00
